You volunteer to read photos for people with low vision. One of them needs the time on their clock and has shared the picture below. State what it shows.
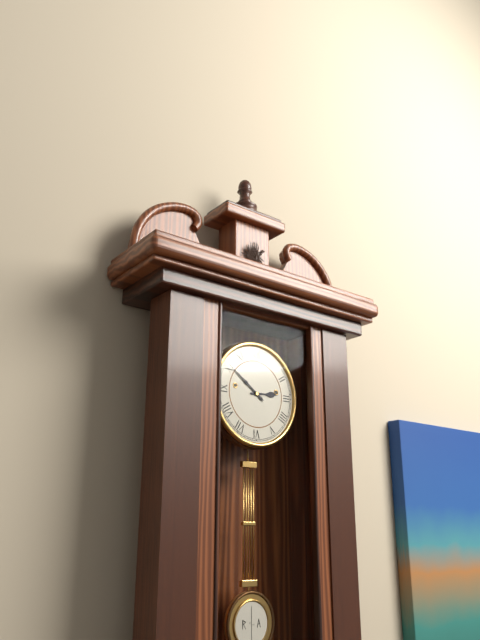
2:51
